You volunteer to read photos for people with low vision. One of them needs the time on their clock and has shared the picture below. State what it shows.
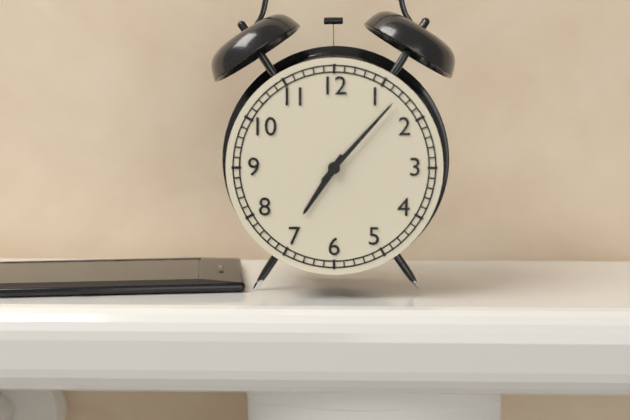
7:07
